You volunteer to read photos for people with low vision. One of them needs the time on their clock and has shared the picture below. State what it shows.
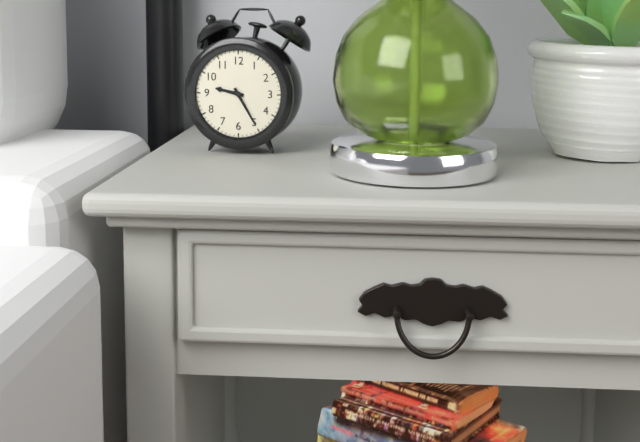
9:25
